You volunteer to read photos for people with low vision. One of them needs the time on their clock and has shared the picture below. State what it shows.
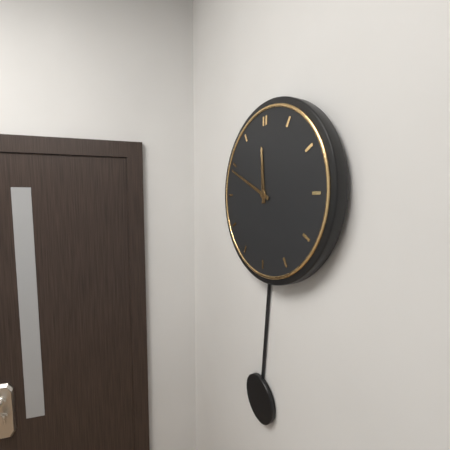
11:49
